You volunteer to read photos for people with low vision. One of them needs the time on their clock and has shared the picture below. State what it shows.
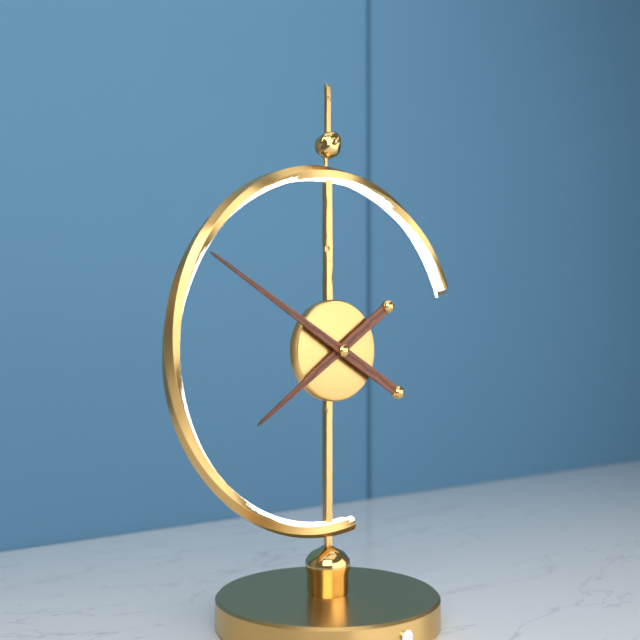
7:50
